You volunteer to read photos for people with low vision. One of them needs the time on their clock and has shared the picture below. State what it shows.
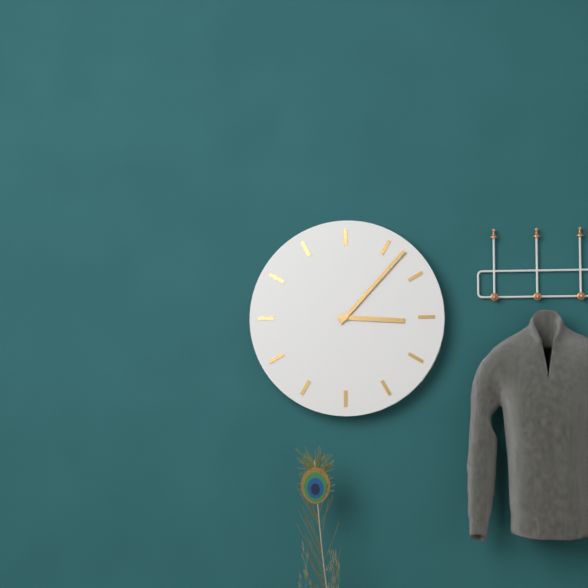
3:07
